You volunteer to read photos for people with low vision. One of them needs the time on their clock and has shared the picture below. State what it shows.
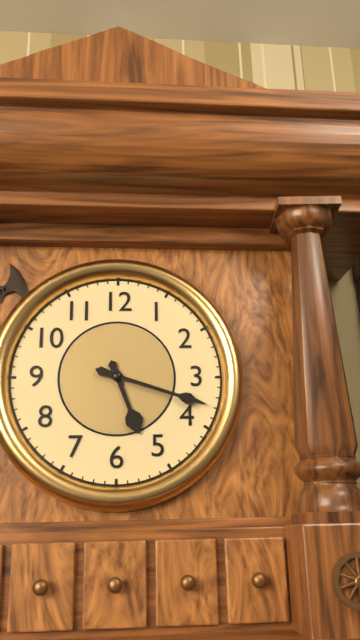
5:18
